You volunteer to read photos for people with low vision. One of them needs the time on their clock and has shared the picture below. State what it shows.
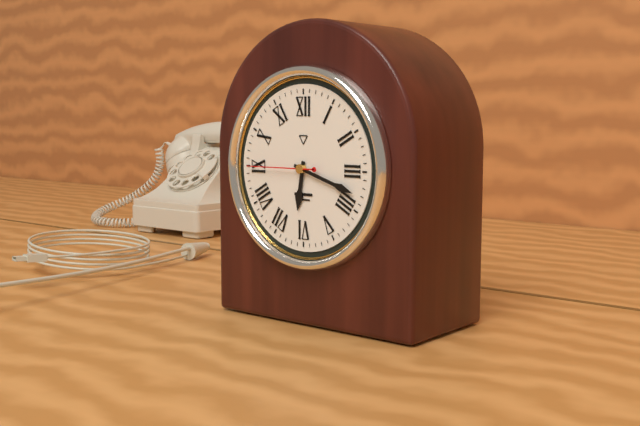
6:18:45
